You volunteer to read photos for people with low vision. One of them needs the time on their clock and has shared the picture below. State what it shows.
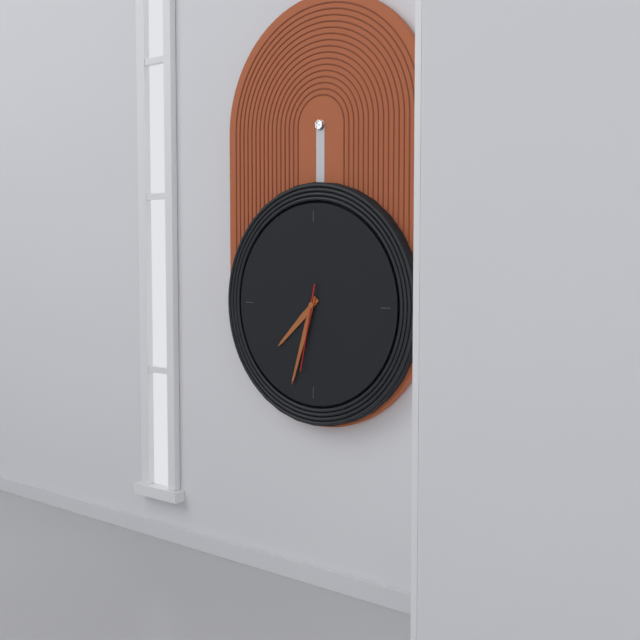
7:33:32
